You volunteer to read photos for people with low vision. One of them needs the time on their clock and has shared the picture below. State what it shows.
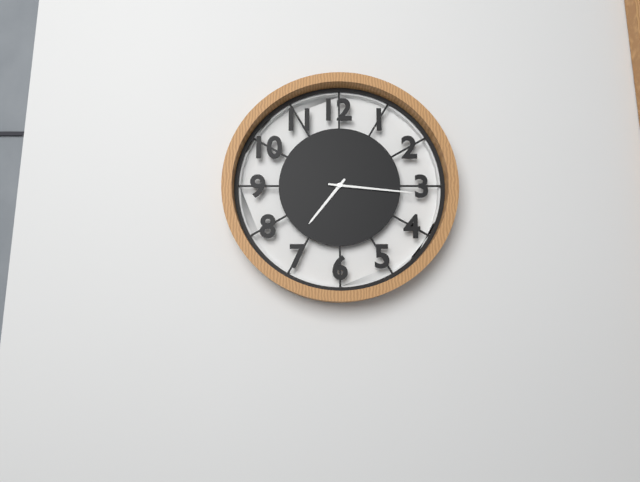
7:16
